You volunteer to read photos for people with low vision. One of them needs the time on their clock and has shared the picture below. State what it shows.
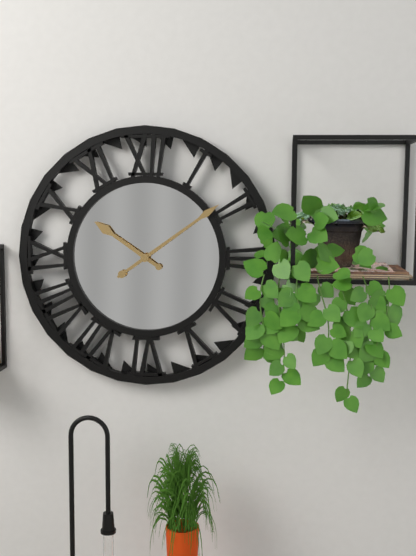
10:09
